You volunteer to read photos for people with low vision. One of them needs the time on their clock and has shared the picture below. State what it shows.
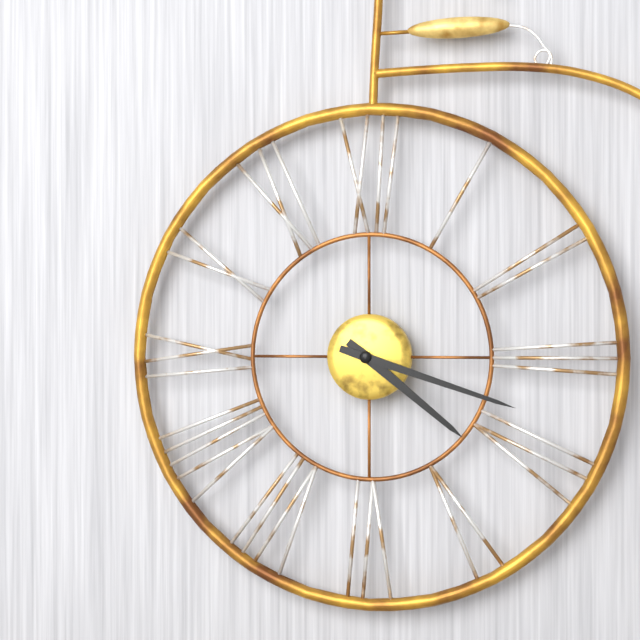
4:18
